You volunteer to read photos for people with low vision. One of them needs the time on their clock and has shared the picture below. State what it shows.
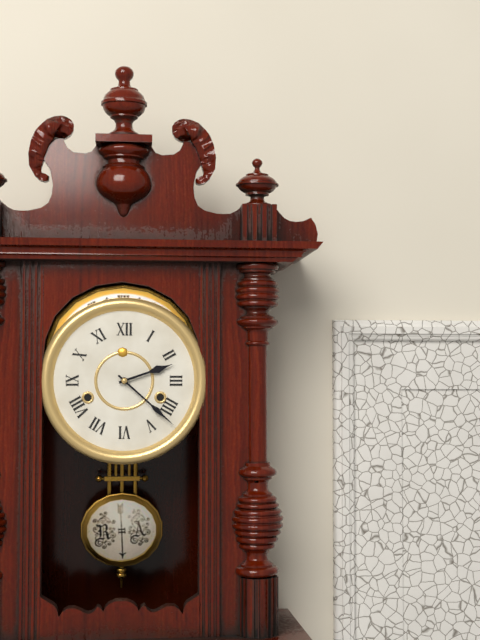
2:22
